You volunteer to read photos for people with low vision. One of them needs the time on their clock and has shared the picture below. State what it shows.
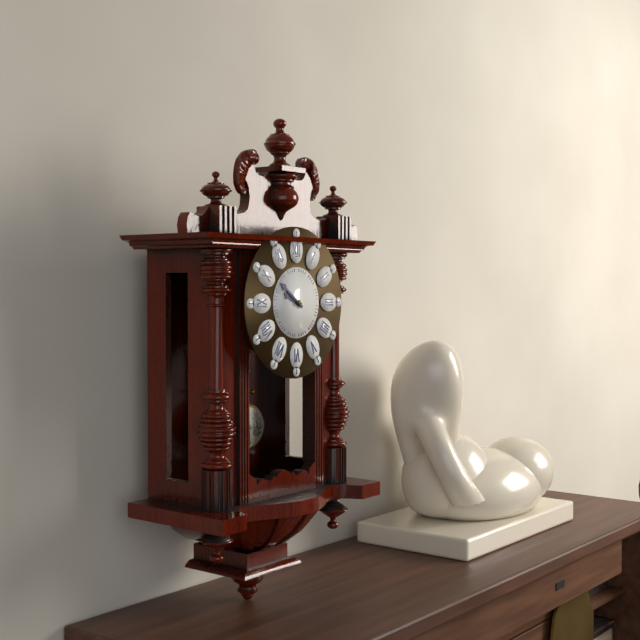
9:51
